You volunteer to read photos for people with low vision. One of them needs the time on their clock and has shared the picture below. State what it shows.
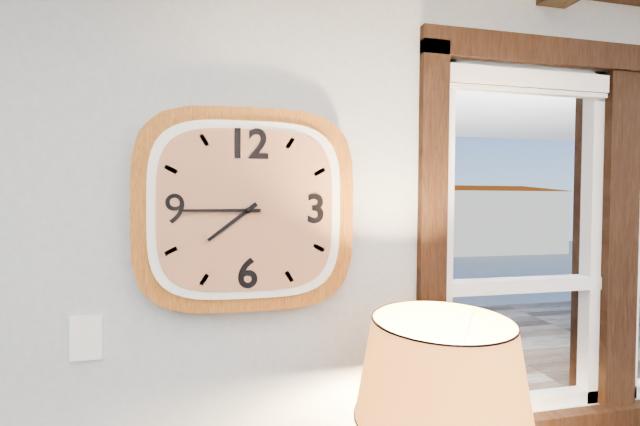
7:45
